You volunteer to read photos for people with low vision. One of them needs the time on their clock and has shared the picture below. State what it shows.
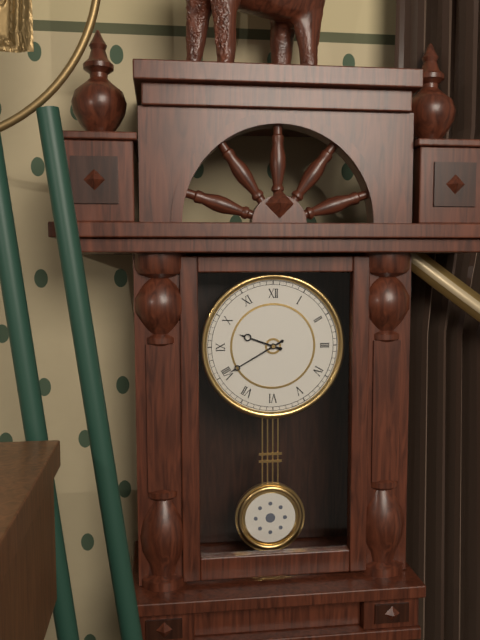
9:40
